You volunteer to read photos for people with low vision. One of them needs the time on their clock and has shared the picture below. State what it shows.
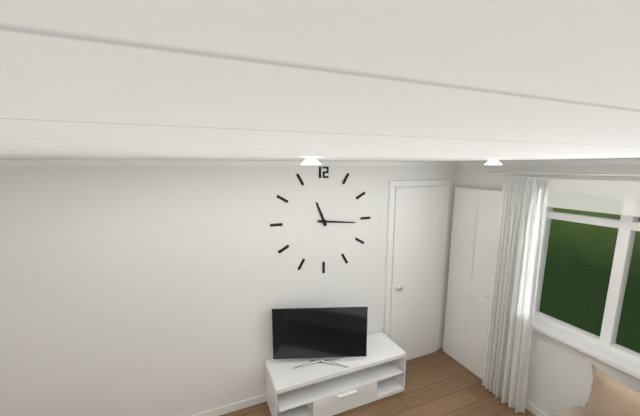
11:16
